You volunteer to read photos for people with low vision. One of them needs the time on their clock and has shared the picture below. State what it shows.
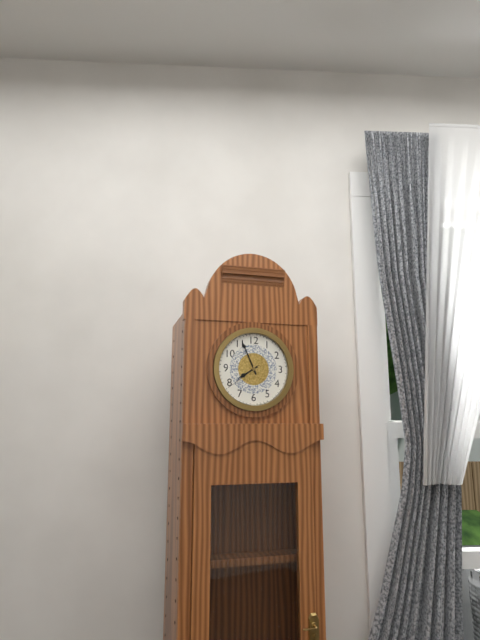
7:56
